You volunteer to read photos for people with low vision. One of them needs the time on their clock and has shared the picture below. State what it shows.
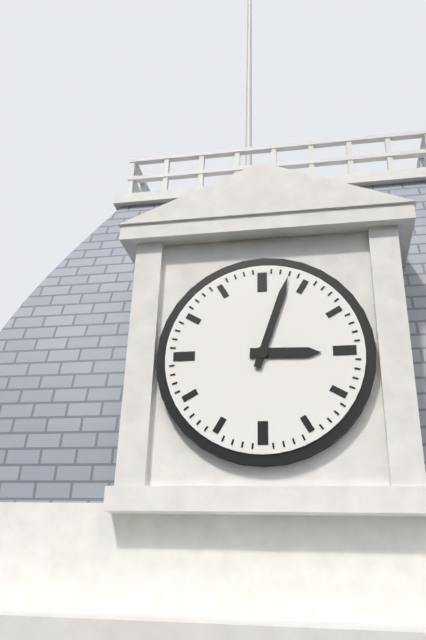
3:03
